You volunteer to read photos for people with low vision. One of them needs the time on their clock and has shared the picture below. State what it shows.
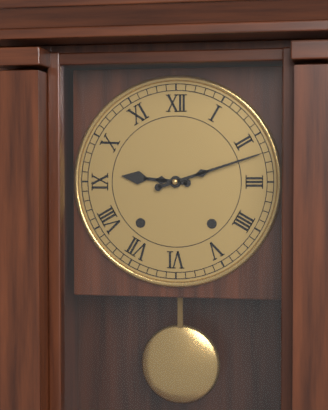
9:12
